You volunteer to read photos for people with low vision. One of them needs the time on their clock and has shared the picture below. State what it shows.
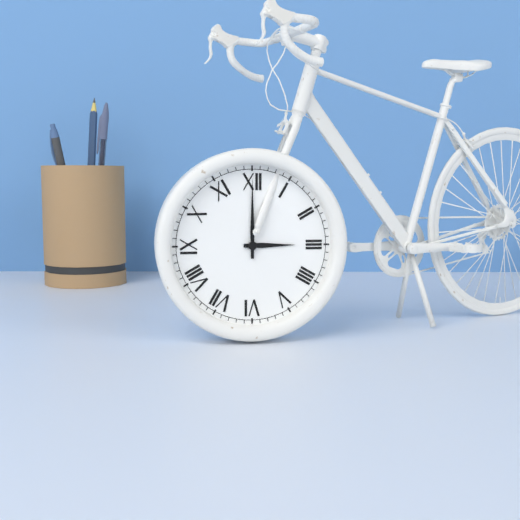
3:00
